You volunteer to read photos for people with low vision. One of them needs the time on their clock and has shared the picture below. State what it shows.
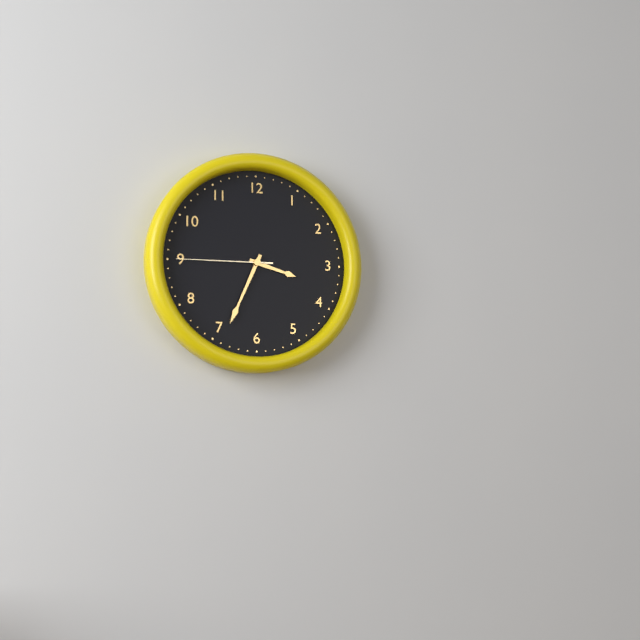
3:34:45
